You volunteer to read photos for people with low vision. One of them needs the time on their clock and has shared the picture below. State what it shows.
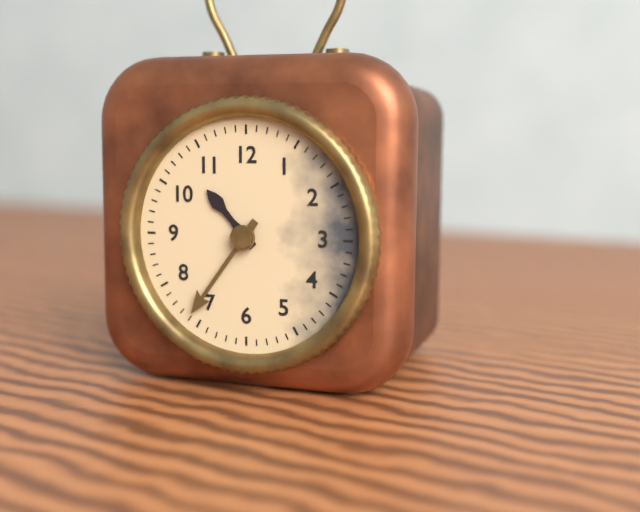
10:36
